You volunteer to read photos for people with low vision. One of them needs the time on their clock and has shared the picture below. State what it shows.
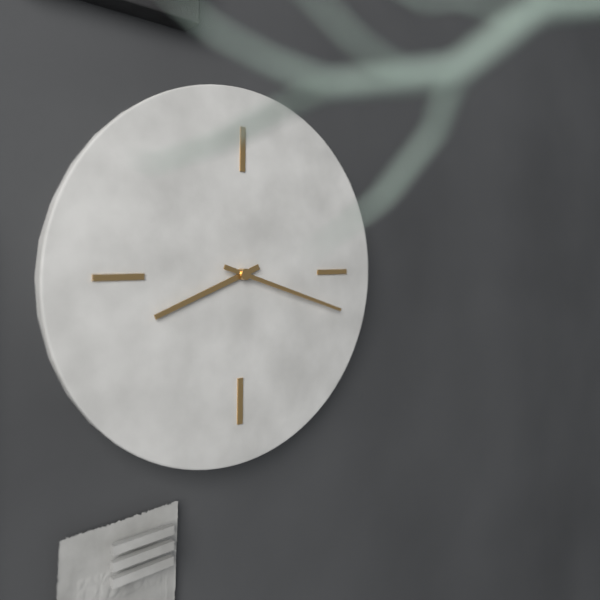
8:18
